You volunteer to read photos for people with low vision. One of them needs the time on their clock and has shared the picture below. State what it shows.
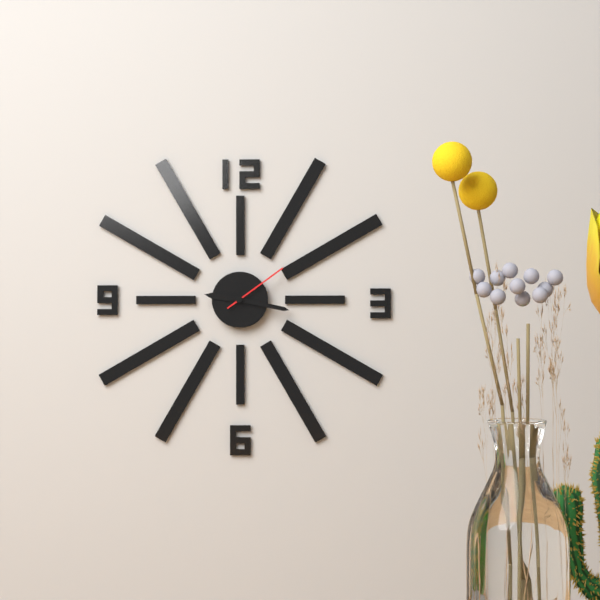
9:17:09
